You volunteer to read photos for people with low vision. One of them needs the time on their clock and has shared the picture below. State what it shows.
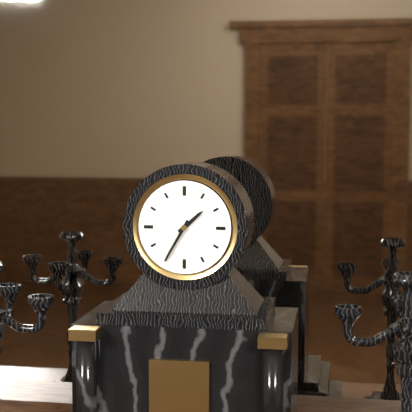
1:35
